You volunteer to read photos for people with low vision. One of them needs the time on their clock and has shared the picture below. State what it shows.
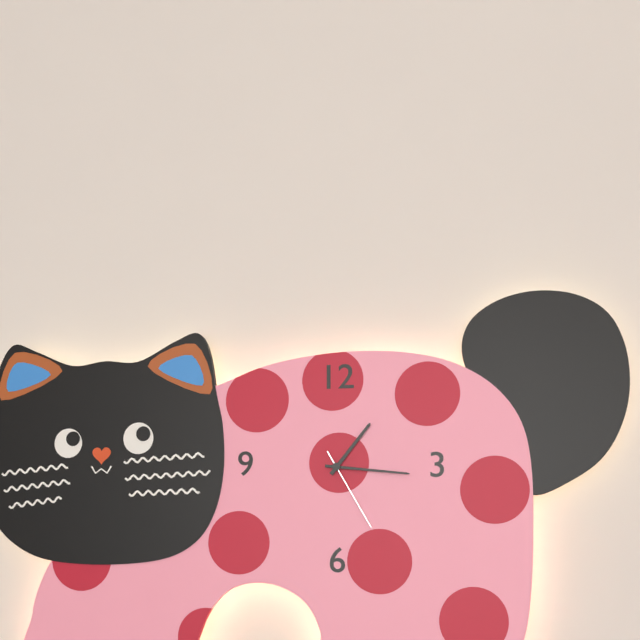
1:16:25
